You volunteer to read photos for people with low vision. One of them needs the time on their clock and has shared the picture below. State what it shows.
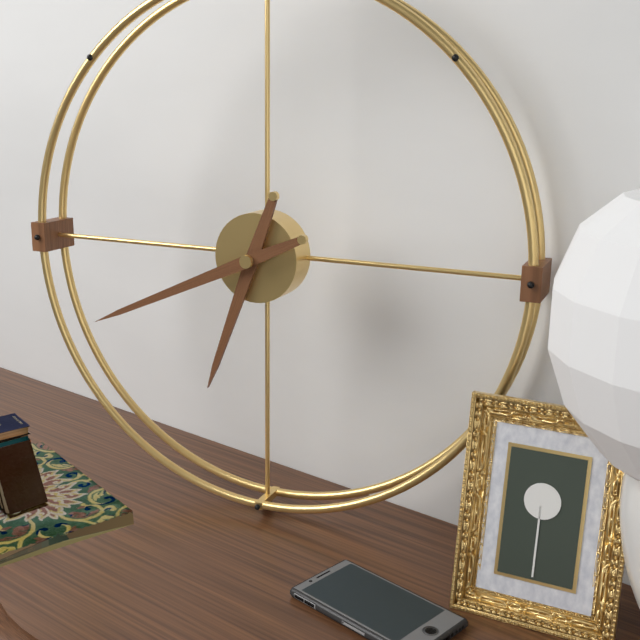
6:41
